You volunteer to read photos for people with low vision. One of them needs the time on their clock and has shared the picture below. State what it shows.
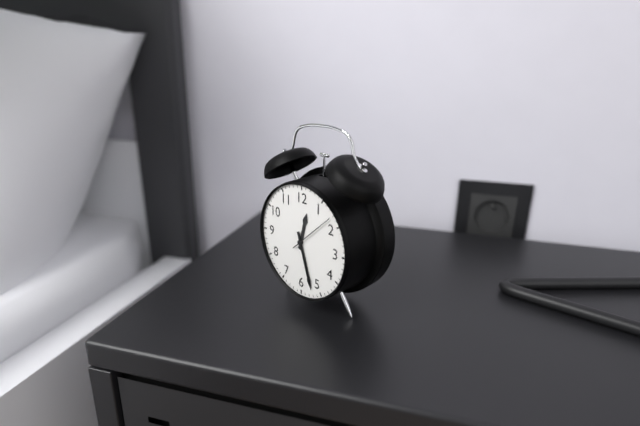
12:27
